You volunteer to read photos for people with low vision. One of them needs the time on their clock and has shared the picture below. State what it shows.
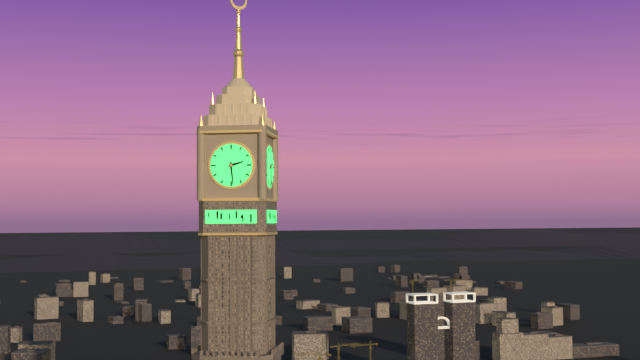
2:29
